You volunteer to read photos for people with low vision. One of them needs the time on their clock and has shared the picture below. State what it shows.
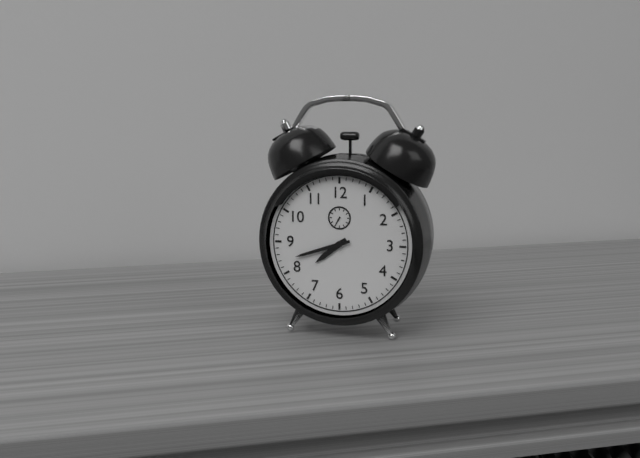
7:42
